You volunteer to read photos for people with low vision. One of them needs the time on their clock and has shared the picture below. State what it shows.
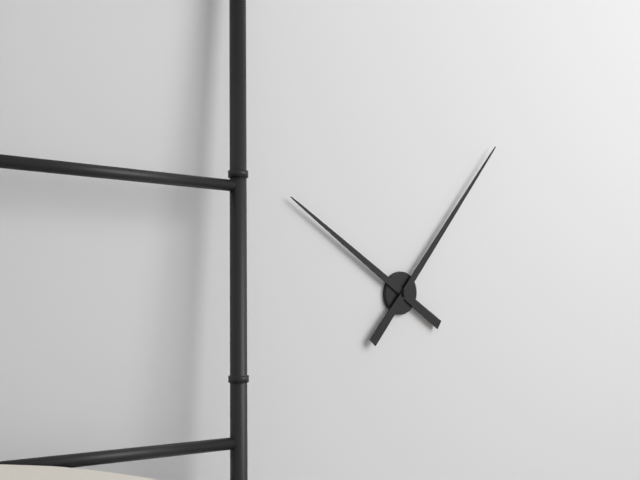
10:07
